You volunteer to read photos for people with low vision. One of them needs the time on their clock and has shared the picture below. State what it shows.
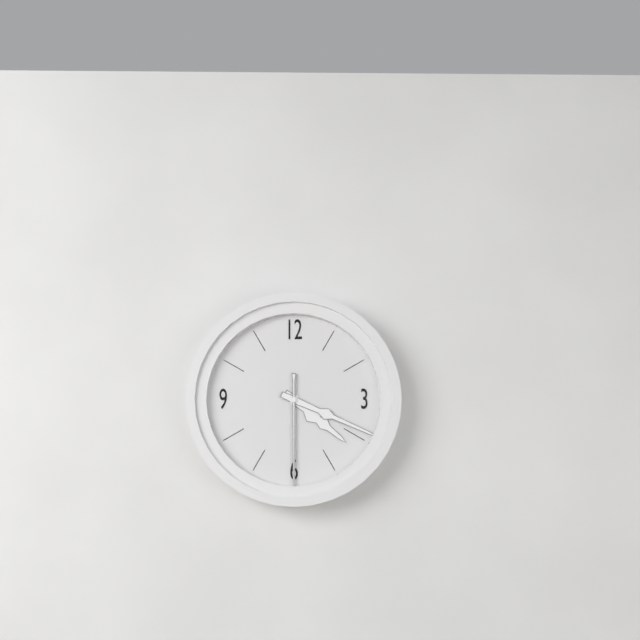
4:19:30
